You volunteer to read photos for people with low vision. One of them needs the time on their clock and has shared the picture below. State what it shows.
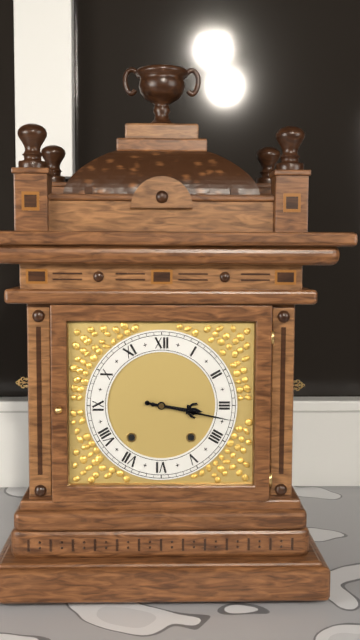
3:17
